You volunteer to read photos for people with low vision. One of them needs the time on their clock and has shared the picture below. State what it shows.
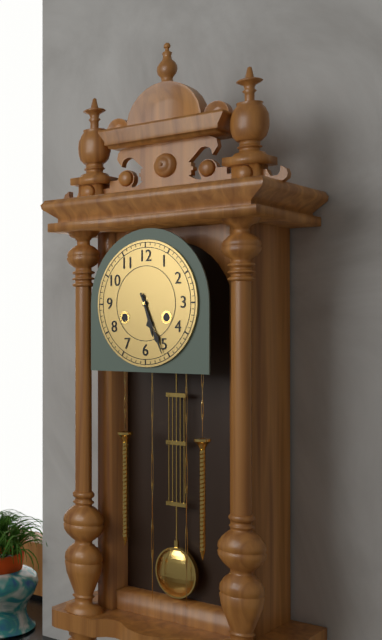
5:26
